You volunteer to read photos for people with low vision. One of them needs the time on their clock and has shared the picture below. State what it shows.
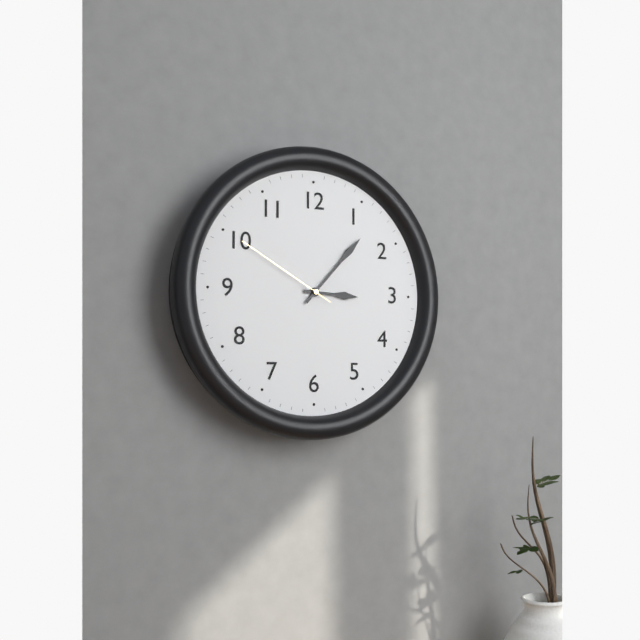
3:07:50
